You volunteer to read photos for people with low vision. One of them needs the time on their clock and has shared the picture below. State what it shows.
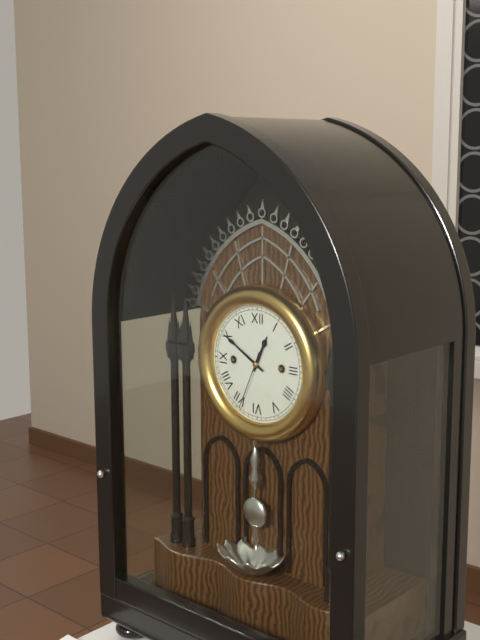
12:50:34
